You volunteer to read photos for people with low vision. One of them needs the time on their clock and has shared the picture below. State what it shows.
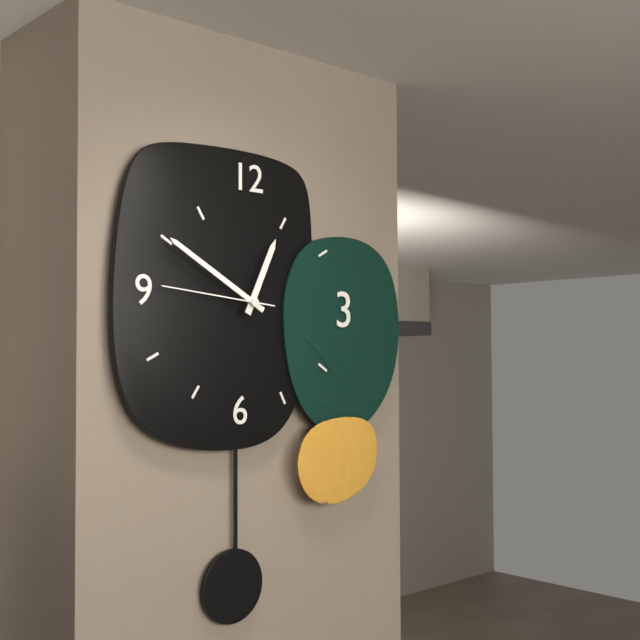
12:50:46
